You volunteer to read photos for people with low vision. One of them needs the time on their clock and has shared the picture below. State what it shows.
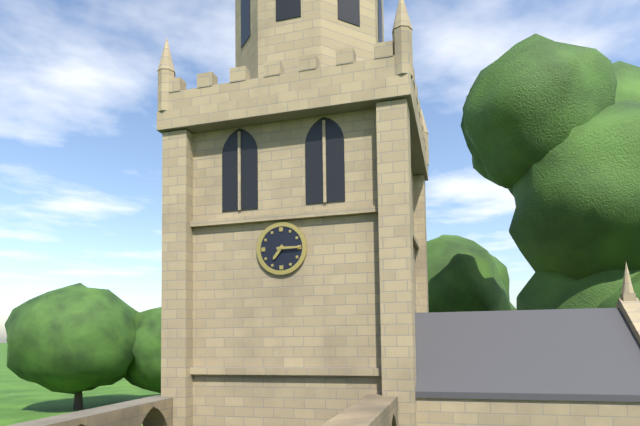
7:15
